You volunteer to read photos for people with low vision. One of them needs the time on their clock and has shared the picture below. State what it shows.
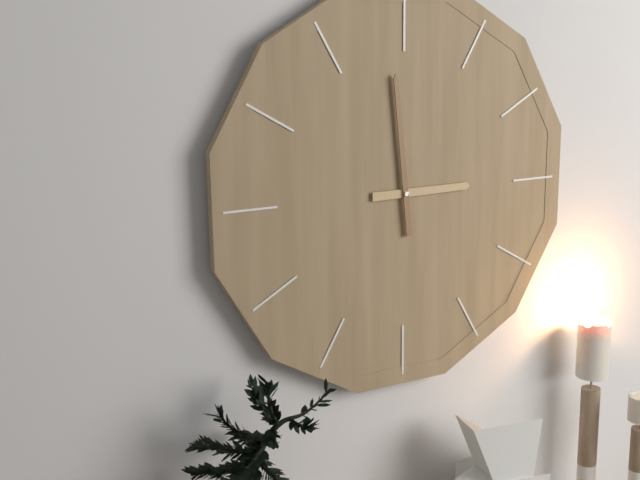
2:59
